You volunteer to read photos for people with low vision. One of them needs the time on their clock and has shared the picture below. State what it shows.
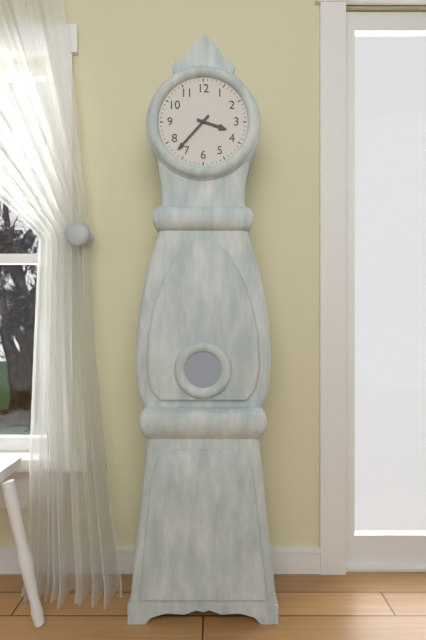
3:37
